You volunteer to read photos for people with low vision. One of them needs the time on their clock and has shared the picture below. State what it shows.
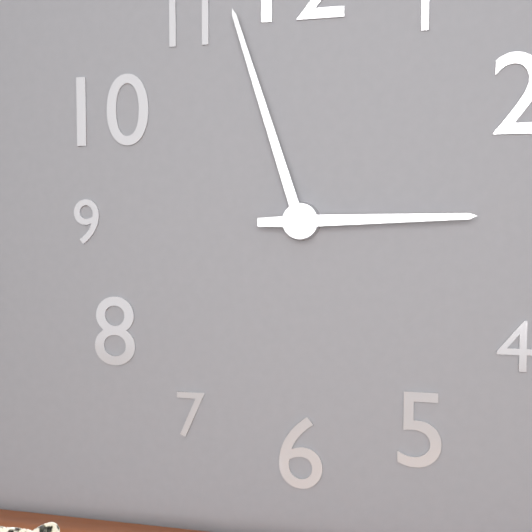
2:57
